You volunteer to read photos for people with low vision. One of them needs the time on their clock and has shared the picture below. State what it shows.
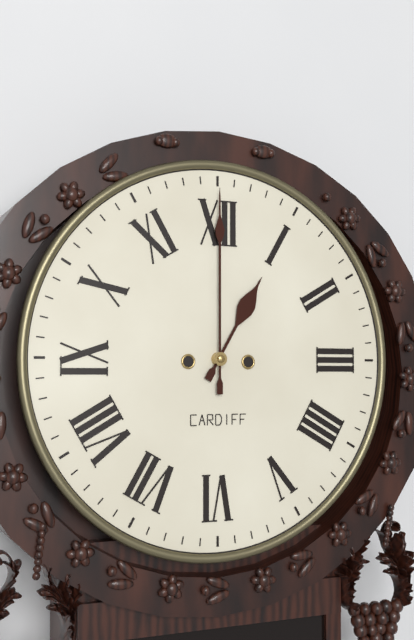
1:00
